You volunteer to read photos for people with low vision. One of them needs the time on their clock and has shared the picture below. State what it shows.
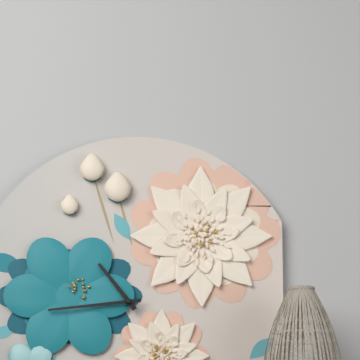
10:44
